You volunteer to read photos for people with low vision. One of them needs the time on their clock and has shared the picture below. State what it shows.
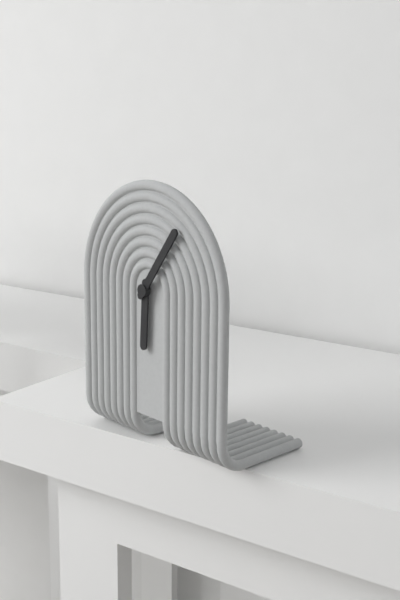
6:06
